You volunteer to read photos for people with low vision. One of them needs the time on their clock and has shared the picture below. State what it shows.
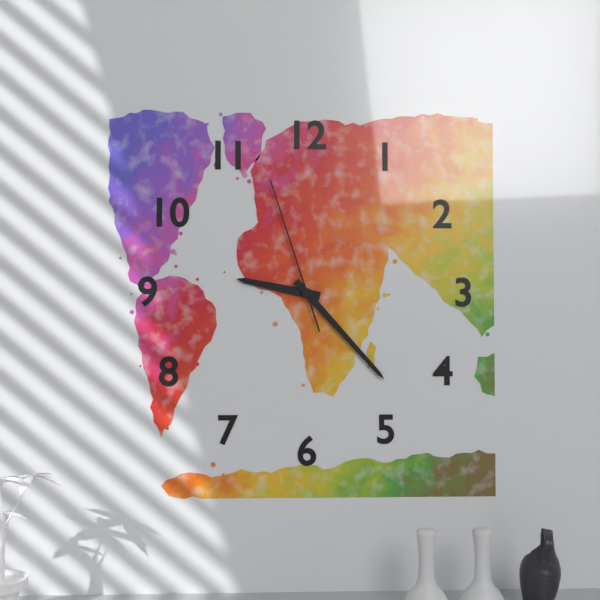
9:23:57
